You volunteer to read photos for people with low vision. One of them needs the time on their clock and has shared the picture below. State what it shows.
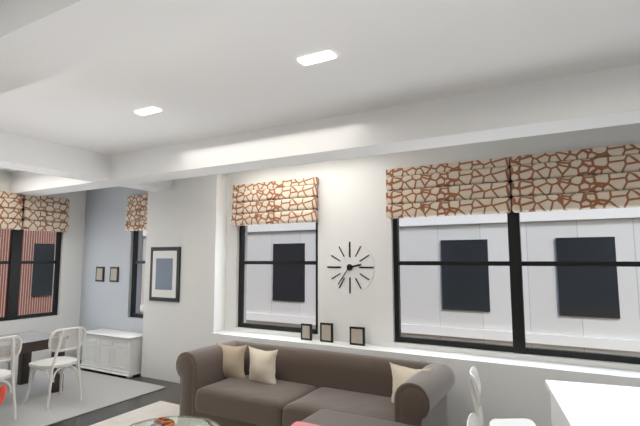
2:36
